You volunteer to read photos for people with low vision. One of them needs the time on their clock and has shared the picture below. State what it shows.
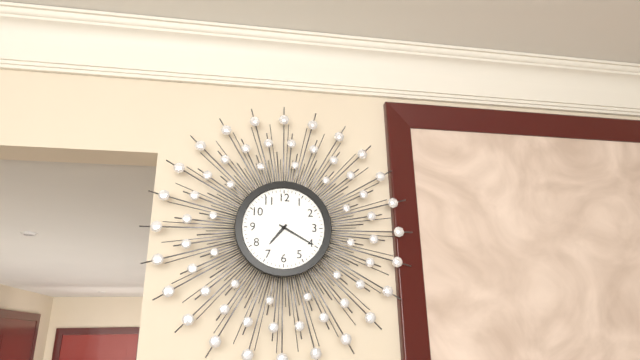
7:20
